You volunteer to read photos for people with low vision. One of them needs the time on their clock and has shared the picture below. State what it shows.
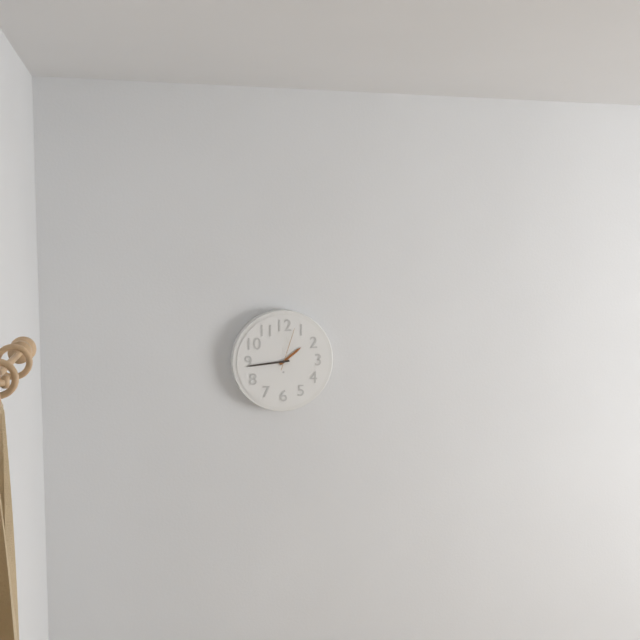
1:44
